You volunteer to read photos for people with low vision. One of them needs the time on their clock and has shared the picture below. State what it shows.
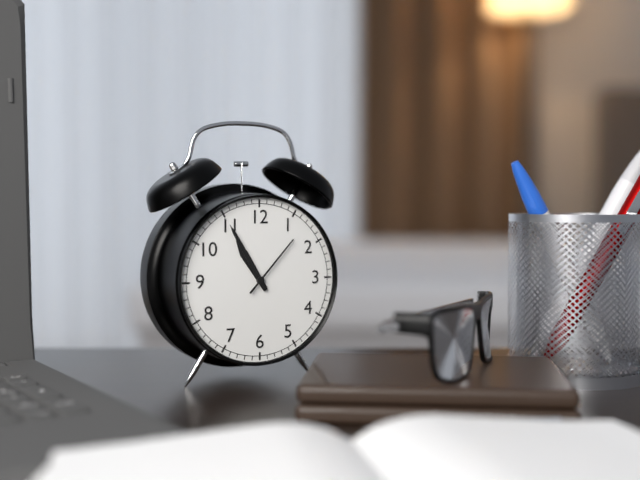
10:55:07
